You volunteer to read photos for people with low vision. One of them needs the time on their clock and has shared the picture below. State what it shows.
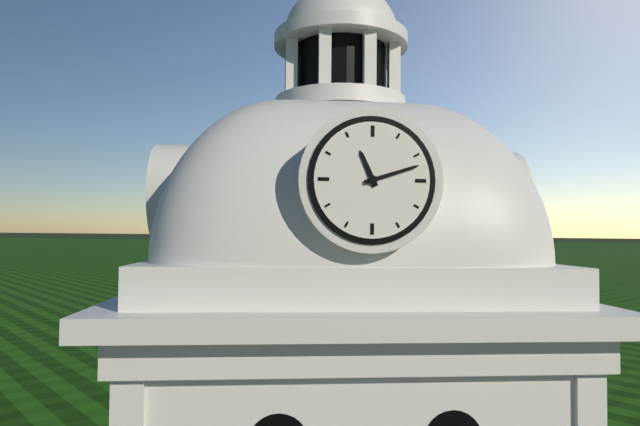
11:12
